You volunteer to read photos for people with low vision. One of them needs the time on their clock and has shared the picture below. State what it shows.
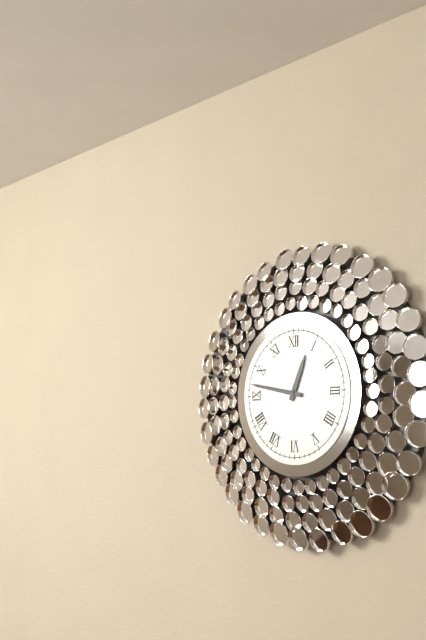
12:47
